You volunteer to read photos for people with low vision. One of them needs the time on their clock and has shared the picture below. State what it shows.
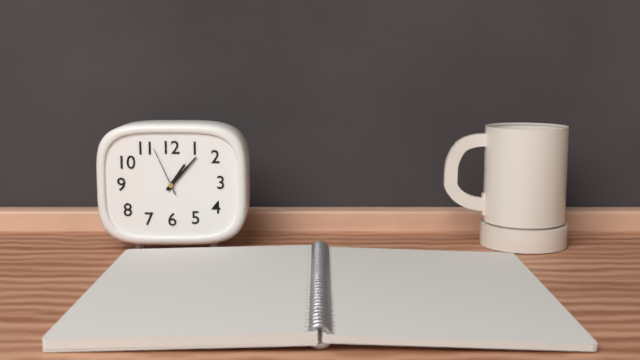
1:07:56
